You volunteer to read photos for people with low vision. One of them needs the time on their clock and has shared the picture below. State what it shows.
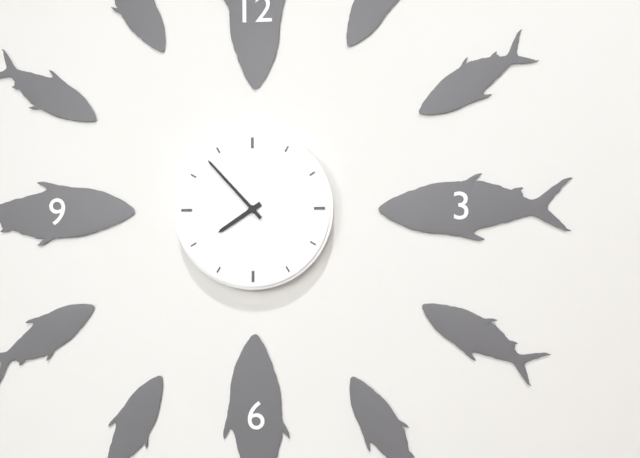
7:53
